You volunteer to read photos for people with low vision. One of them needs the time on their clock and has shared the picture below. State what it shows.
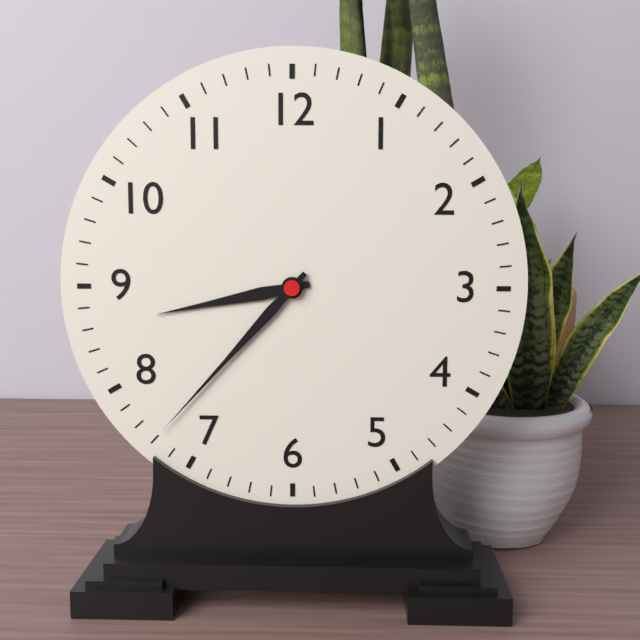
8:37
